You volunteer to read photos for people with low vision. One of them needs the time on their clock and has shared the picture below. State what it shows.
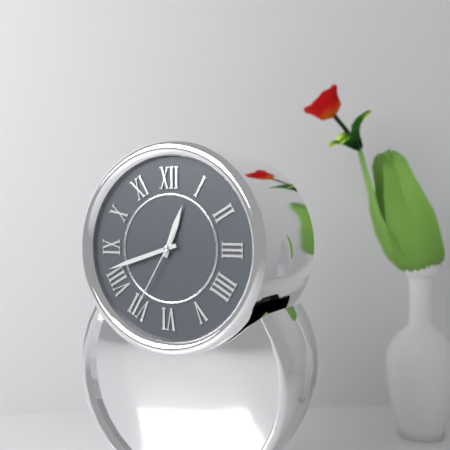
12:42:35
